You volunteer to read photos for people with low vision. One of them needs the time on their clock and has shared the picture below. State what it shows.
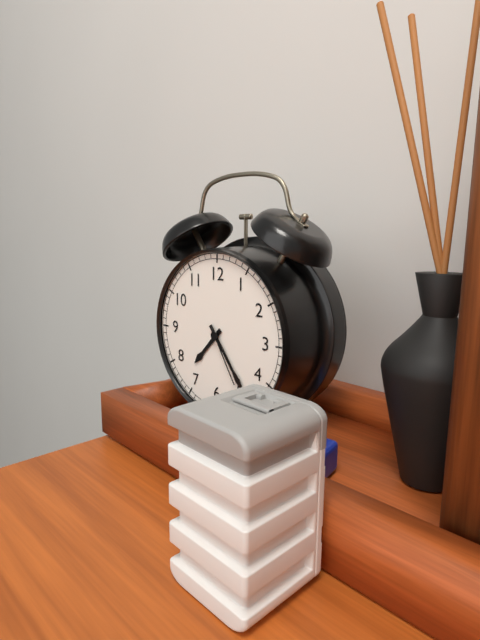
7:24:25
